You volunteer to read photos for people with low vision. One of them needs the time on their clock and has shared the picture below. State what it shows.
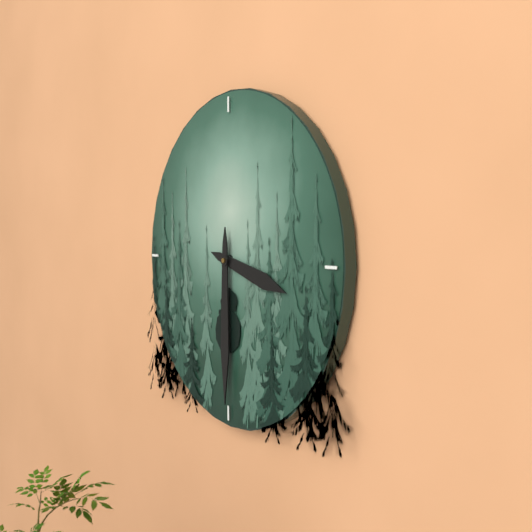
3:30
